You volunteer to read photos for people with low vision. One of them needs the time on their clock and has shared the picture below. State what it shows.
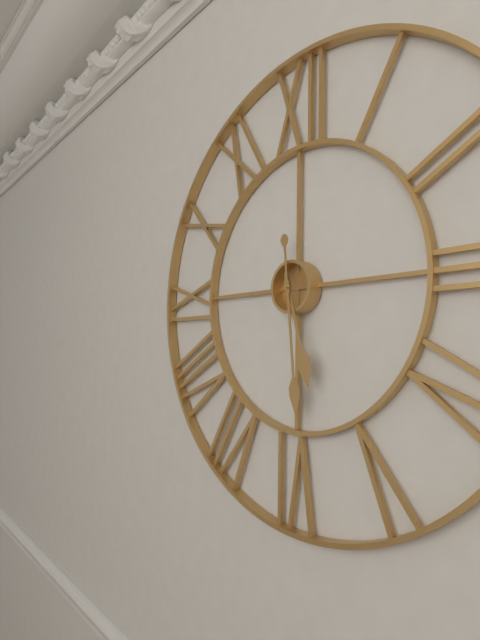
5:29
